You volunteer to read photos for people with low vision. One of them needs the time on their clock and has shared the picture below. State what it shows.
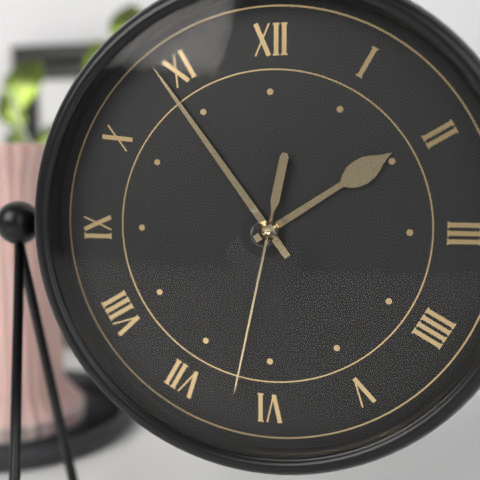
1:54:32
